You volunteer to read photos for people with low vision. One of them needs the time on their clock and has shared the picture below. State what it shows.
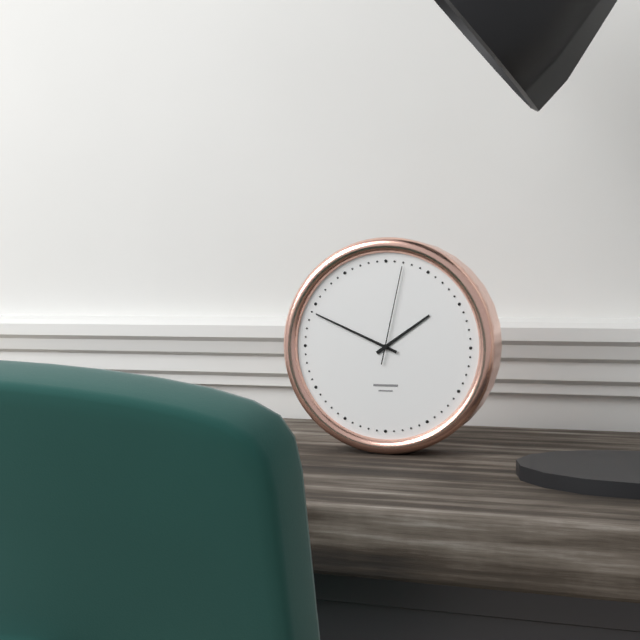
1:49:02
